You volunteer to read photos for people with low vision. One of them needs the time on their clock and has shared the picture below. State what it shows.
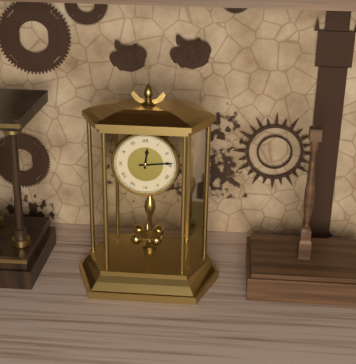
12:14
